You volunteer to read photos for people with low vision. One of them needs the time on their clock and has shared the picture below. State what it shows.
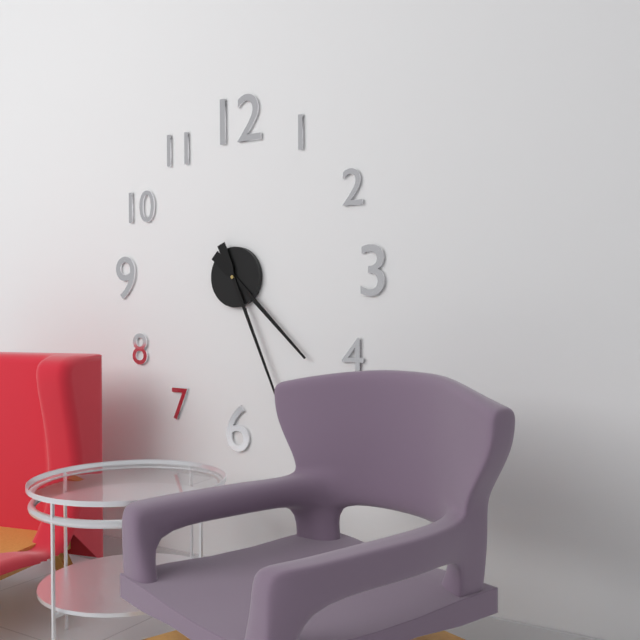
4:26
